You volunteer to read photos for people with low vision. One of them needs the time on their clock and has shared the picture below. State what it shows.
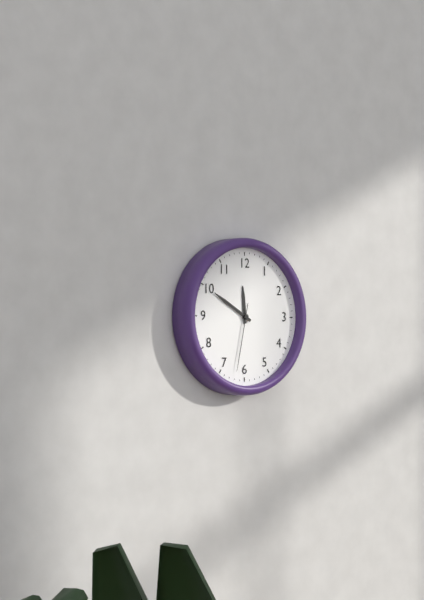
11:50:32
